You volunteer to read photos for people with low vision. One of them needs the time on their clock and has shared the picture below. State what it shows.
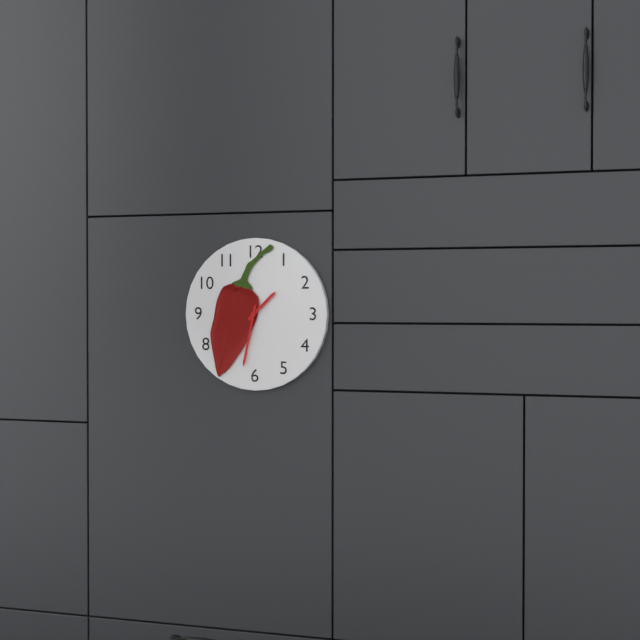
1:32
